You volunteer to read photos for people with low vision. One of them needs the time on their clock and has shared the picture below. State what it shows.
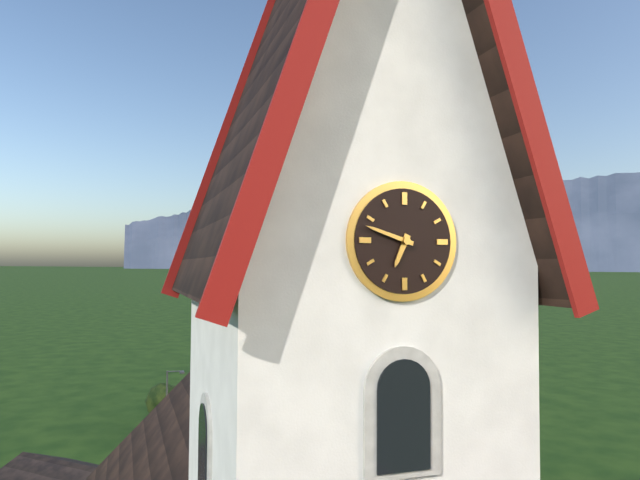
6:48
